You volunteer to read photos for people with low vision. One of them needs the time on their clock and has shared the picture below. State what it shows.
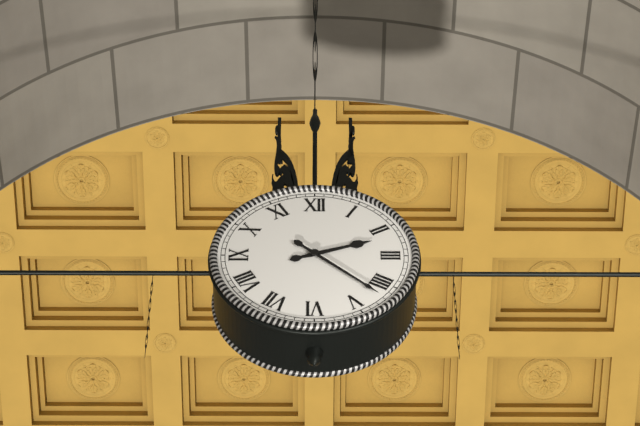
2:22
